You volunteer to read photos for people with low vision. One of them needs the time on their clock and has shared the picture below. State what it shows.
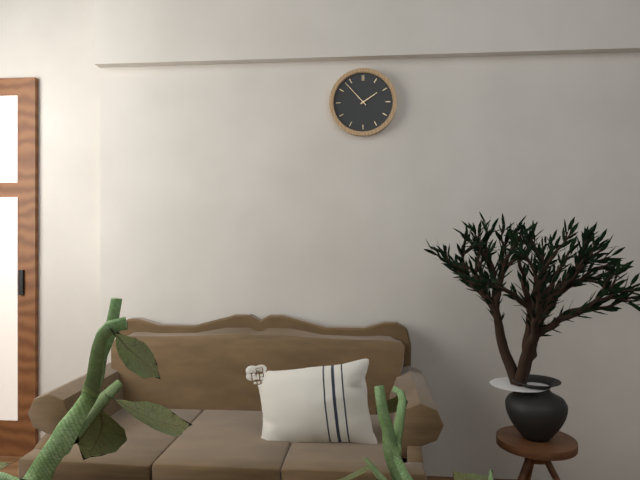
1:53
